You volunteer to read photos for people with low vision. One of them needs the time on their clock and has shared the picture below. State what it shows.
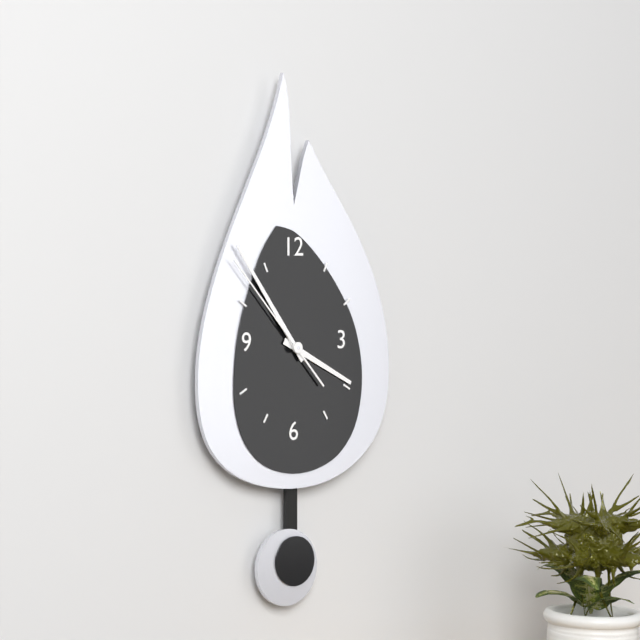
3:54:53
